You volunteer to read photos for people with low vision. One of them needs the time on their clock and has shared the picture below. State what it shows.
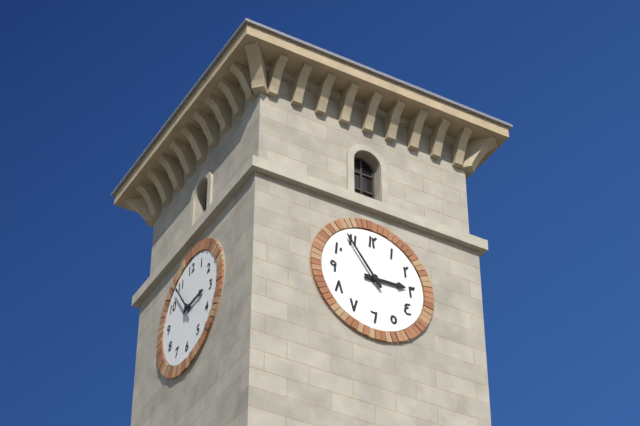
2:54
